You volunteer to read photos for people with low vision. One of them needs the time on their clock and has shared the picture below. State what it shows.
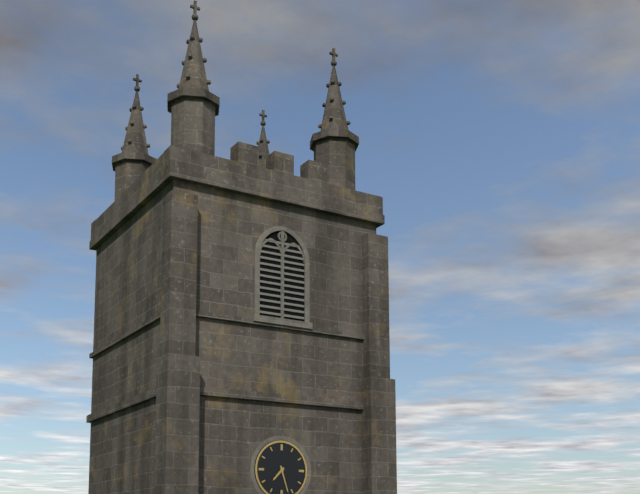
7:27
